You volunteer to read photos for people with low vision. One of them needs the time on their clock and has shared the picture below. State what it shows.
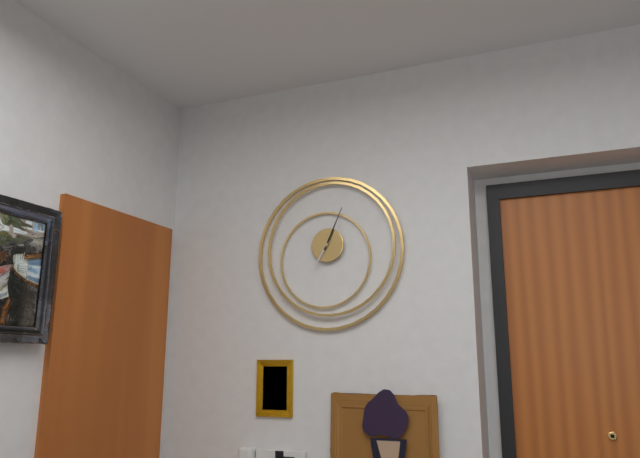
7:04
